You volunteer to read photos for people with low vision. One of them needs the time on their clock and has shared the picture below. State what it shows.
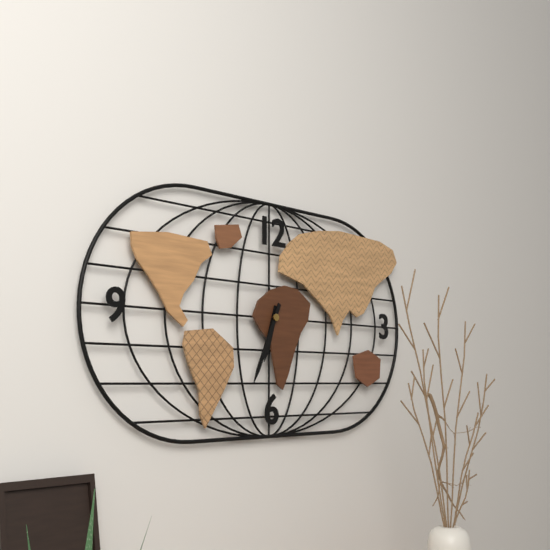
6:34
